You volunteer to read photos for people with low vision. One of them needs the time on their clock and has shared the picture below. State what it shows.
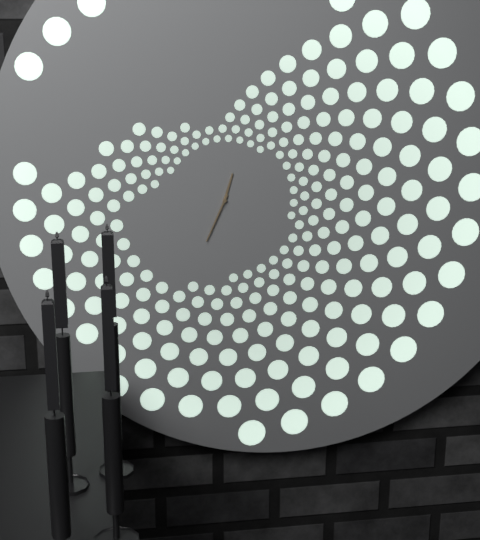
12:34
